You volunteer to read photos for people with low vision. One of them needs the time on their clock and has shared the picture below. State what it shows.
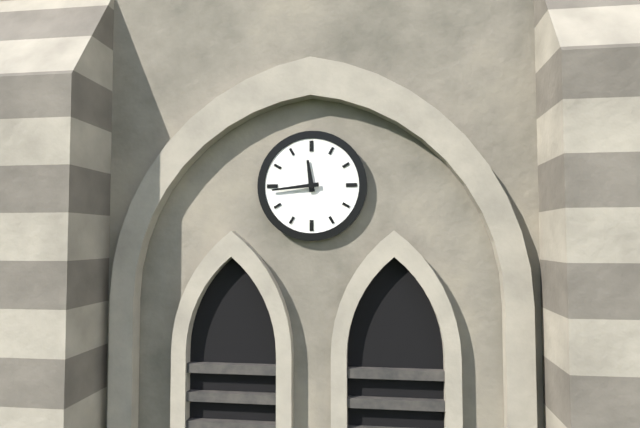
11:44
